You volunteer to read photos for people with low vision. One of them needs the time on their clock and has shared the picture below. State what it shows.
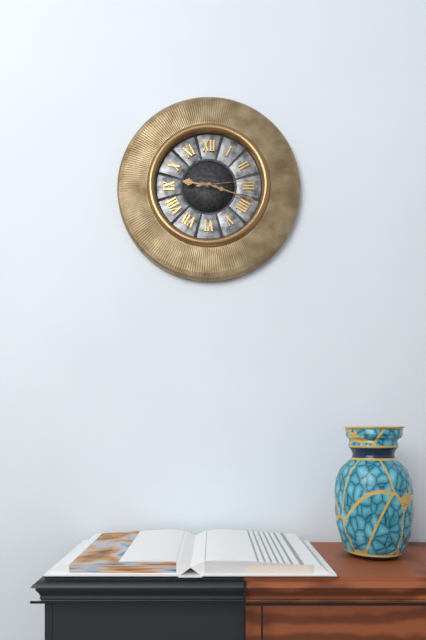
9:18:14
